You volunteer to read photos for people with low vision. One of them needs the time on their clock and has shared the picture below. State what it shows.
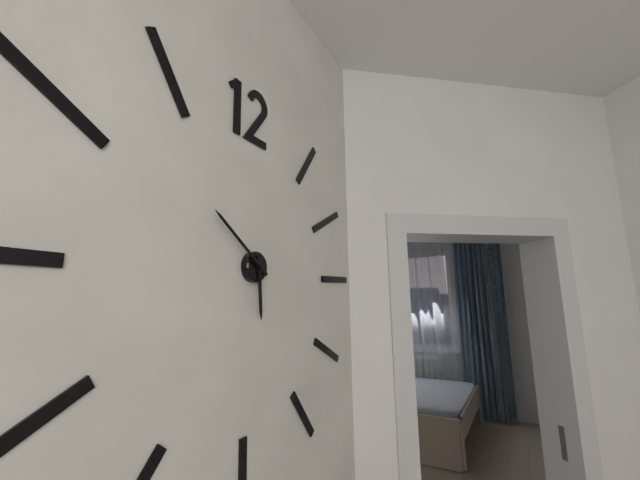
5:51
